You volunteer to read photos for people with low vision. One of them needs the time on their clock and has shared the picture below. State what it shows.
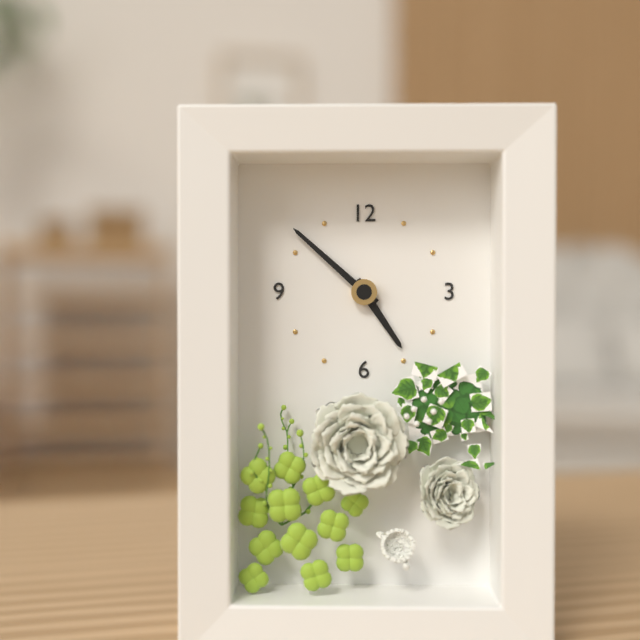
4:52
